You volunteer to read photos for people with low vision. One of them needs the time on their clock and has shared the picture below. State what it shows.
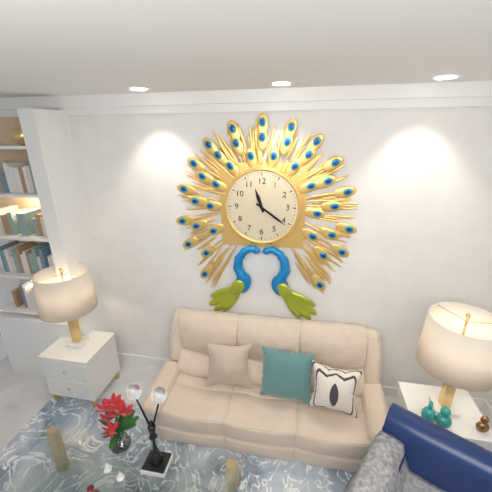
11:21
